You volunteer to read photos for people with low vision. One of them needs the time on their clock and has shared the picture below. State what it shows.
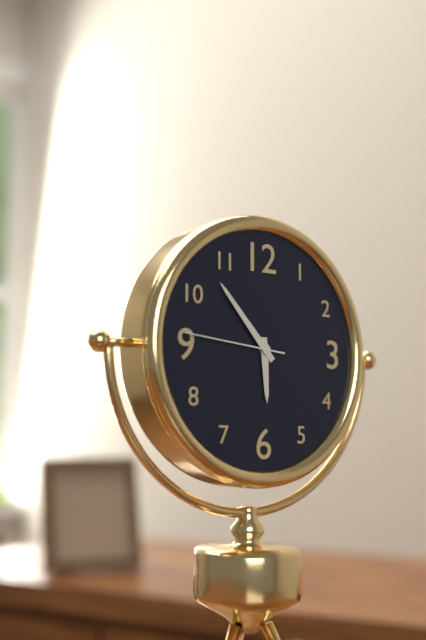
5:53:46
